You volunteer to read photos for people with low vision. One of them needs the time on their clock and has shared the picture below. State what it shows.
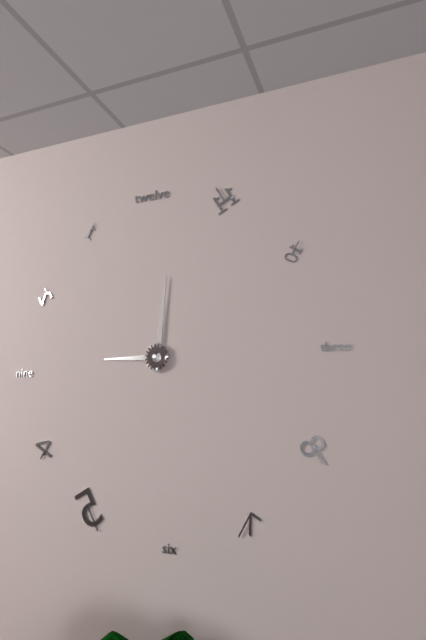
9:01
